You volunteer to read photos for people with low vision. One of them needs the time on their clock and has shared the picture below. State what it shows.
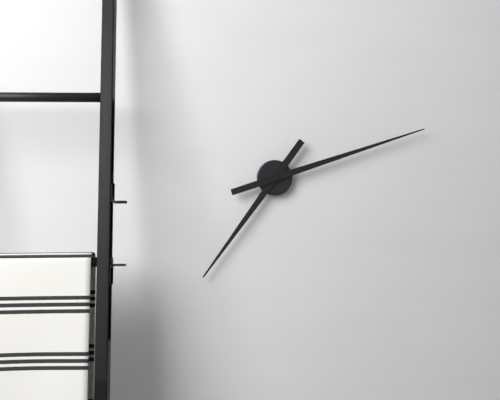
7:12
